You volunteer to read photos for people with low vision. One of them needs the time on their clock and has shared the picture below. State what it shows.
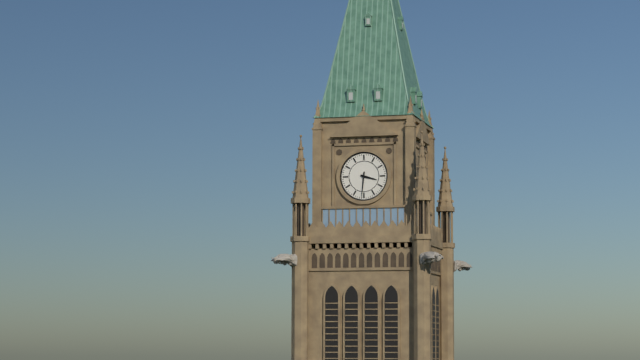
3:31
